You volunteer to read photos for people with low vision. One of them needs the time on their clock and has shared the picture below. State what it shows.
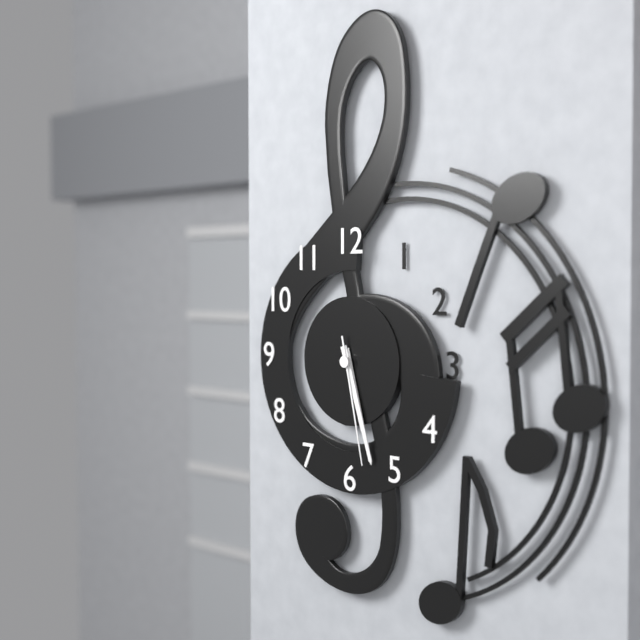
5:27:28
